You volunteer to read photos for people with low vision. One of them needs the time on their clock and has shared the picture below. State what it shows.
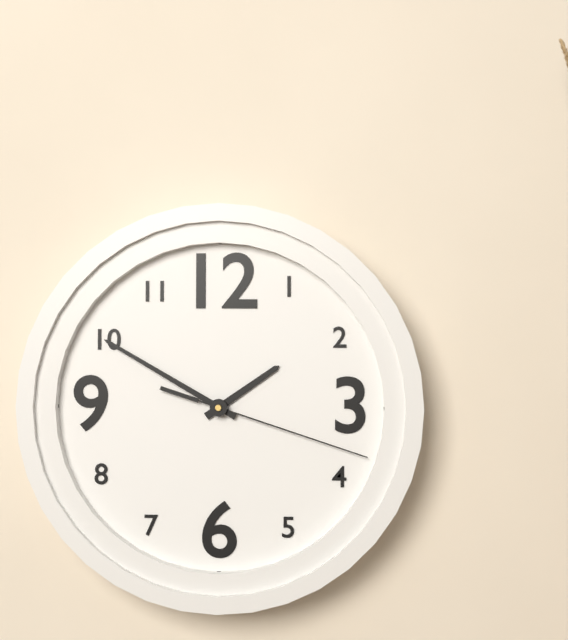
1:50:18
